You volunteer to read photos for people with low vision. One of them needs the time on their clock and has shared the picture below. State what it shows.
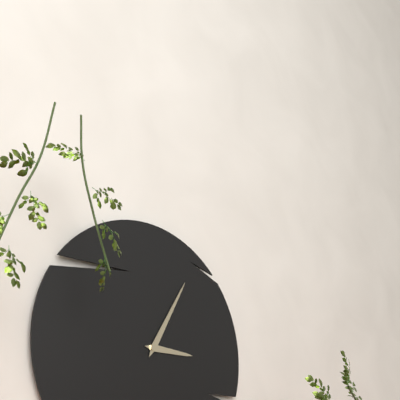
3:05
